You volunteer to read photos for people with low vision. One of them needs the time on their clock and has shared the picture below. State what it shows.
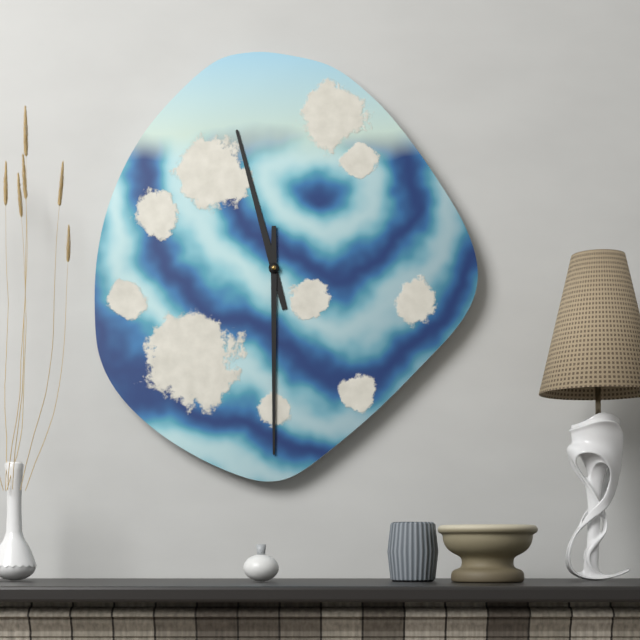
11:30
